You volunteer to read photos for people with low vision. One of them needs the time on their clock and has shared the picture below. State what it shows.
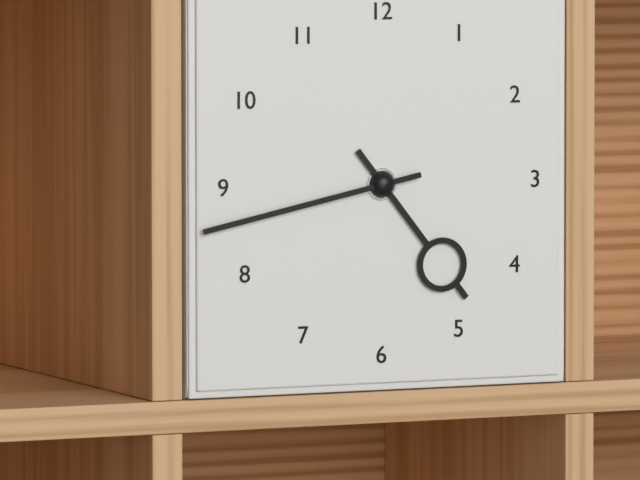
4:43
